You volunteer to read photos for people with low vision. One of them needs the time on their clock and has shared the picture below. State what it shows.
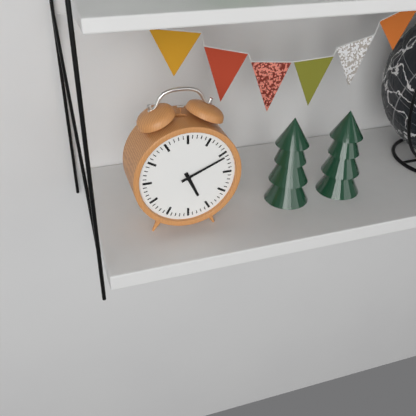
5:11
